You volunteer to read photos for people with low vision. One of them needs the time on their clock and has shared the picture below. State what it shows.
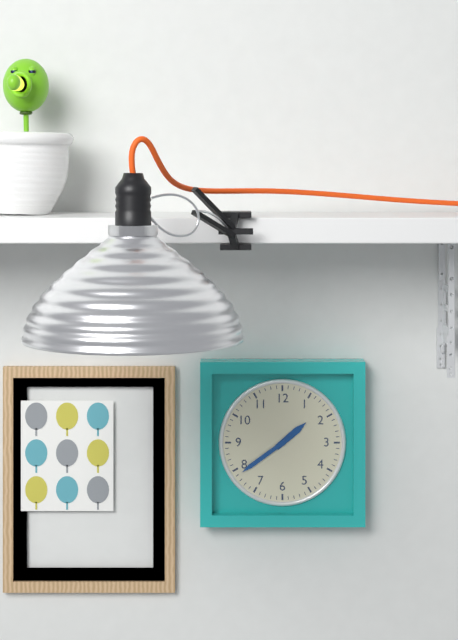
1:39
